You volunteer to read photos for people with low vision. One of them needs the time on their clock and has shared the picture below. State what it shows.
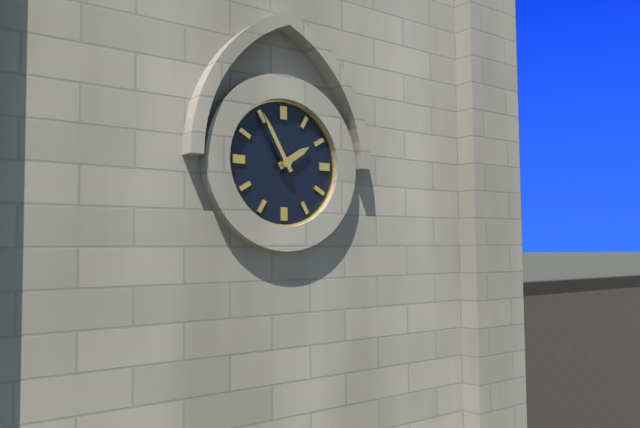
1:55
